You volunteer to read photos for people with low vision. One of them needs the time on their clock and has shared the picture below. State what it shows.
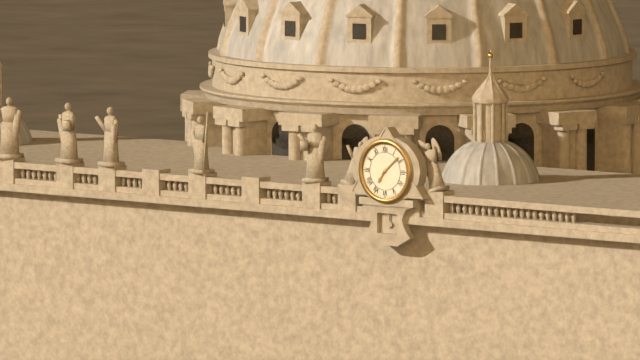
7:08
